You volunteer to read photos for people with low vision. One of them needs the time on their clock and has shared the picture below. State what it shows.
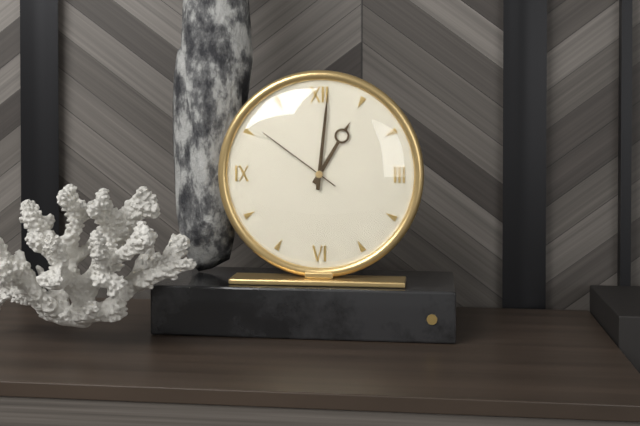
1:01:51
